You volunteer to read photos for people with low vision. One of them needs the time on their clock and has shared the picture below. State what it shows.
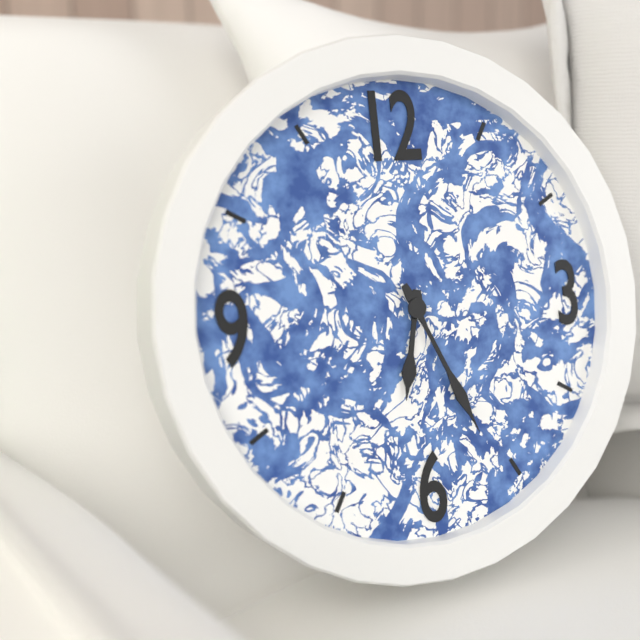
6:26
